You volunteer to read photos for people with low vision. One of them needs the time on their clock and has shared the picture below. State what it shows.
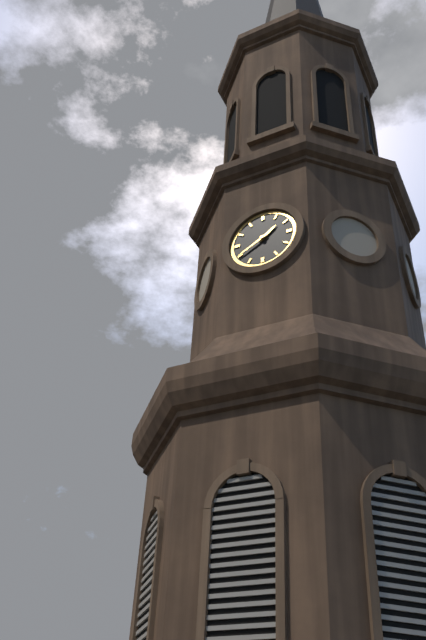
1:40
